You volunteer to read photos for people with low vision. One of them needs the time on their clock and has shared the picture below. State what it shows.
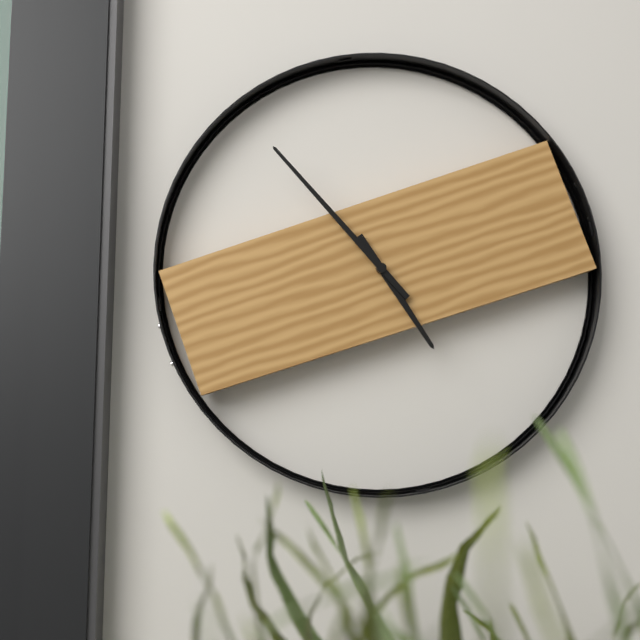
4:53
